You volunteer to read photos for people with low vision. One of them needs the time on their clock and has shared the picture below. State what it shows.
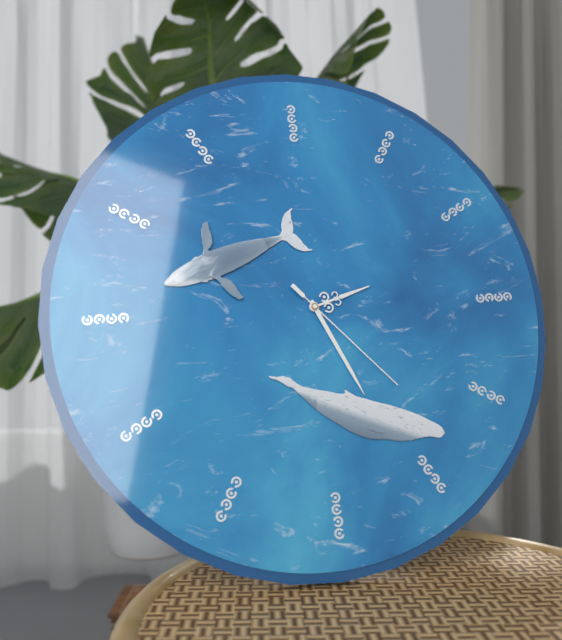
2:26:23
